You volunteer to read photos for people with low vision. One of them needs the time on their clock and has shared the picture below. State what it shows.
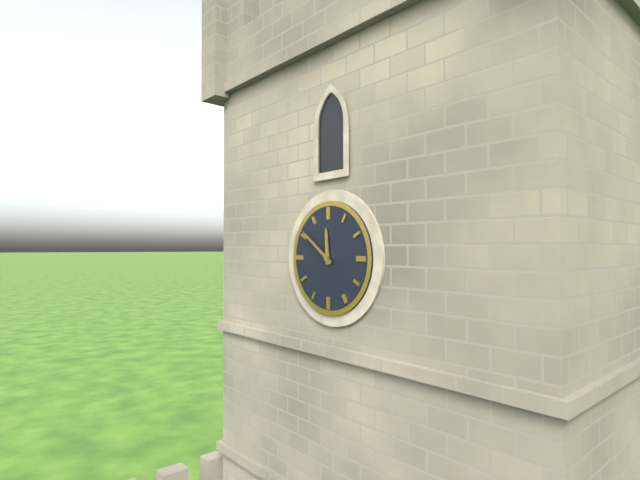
11:51
